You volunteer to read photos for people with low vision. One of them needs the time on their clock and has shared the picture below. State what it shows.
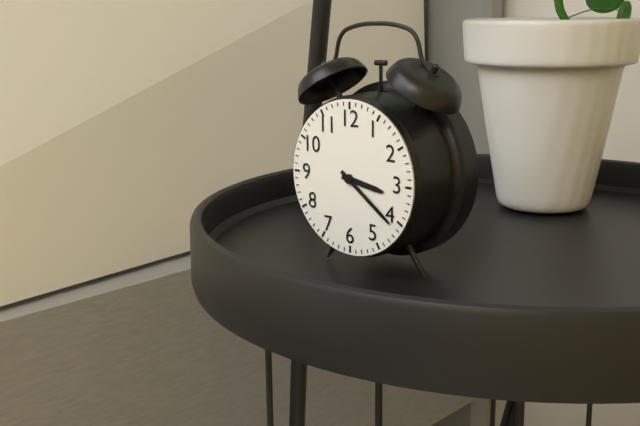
3:21
